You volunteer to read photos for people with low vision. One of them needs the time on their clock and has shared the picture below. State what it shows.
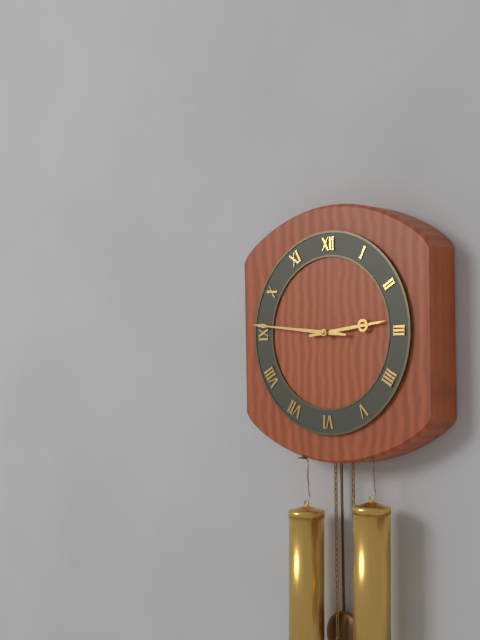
2:46
